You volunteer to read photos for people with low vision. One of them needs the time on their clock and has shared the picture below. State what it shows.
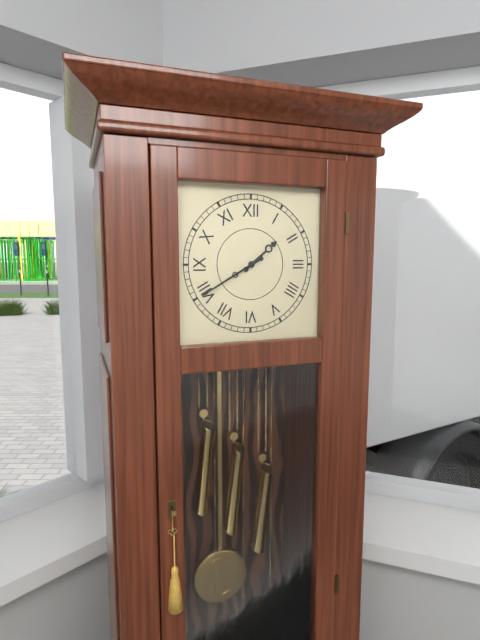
1:40
